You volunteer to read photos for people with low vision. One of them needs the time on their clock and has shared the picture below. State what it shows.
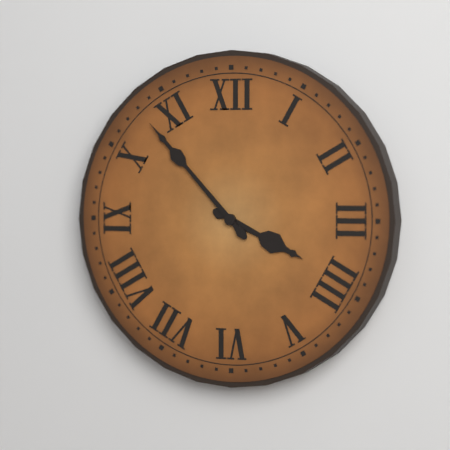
3:53
